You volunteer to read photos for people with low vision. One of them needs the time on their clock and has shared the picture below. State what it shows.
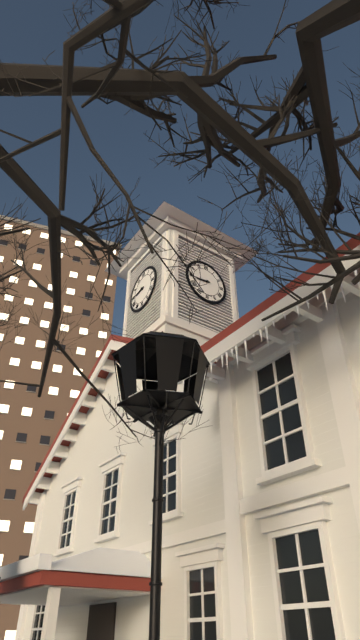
8:44
